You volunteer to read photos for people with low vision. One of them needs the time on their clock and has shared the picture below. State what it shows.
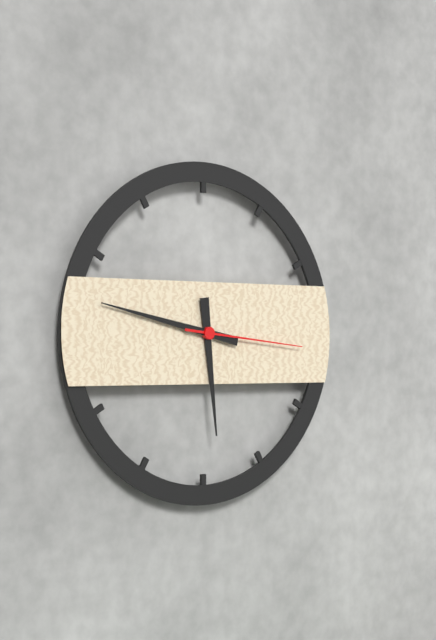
5:47:16
